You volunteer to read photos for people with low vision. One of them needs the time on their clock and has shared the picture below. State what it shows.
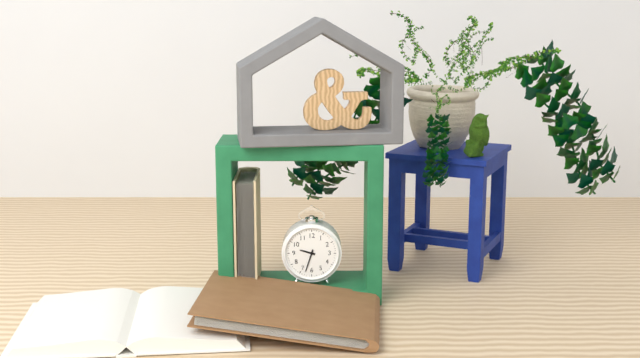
9:33
